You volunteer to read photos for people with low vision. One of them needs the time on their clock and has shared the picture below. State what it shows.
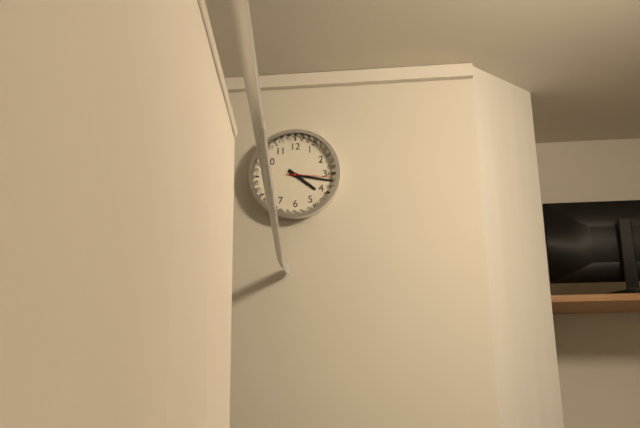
4:17
